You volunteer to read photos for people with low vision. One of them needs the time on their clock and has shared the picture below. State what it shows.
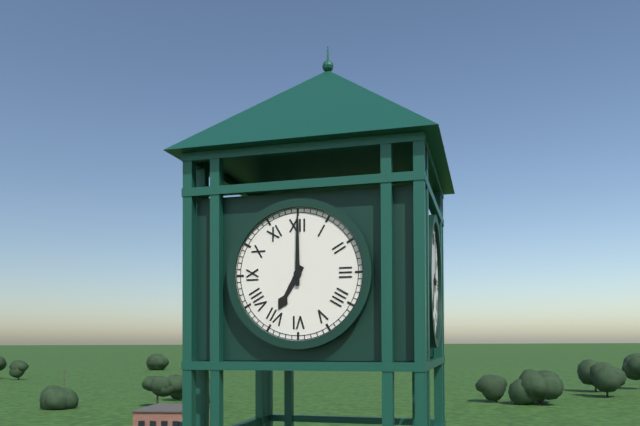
7:00
